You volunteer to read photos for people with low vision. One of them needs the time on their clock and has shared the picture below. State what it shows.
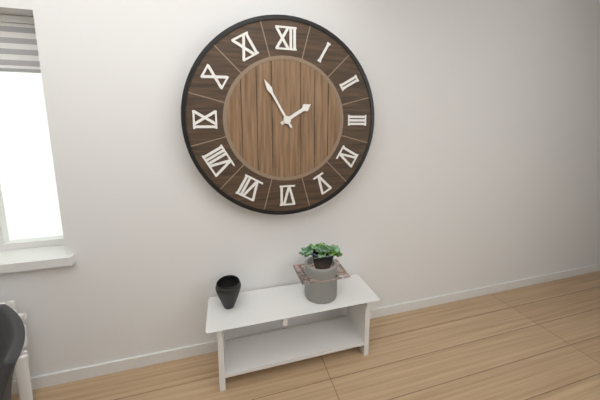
1:55
